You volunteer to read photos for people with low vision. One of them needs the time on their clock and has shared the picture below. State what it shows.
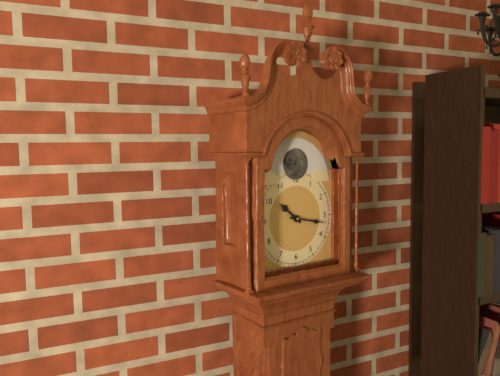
10:17
